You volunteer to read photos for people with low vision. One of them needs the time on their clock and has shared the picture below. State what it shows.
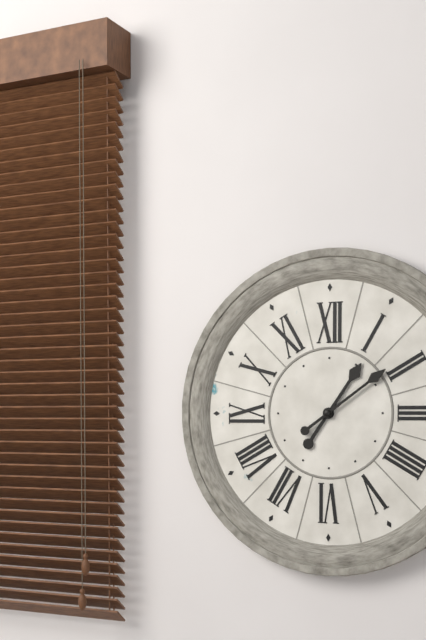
1:09
